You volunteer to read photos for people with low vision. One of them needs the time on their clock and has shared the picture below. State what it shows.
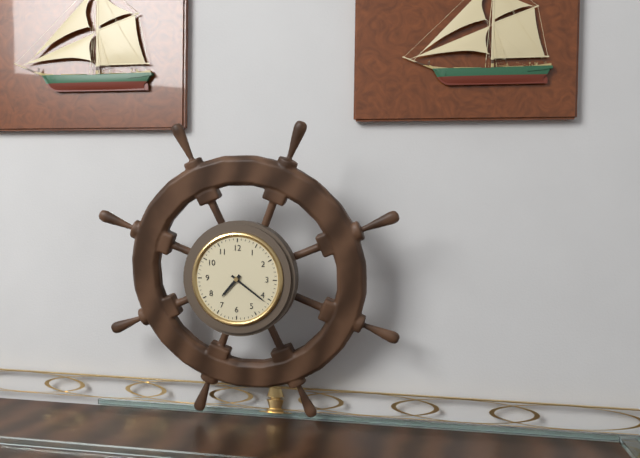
7:21
